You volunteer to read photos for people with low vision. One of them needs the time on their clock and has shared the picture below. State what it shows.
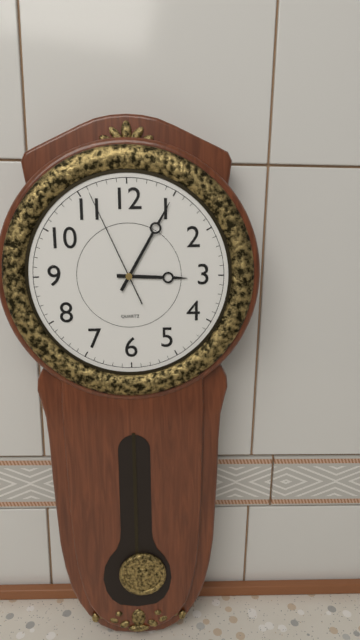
3:05:56
